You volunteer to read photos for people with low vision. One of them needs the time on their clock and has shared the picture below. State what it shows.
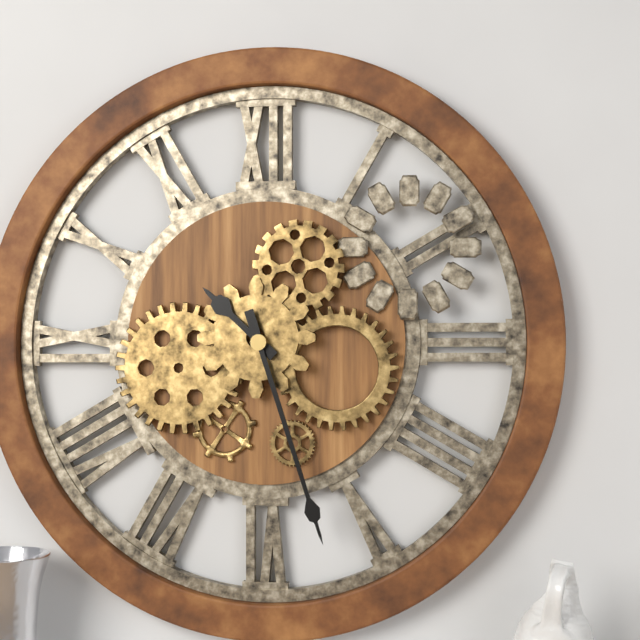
10:27
